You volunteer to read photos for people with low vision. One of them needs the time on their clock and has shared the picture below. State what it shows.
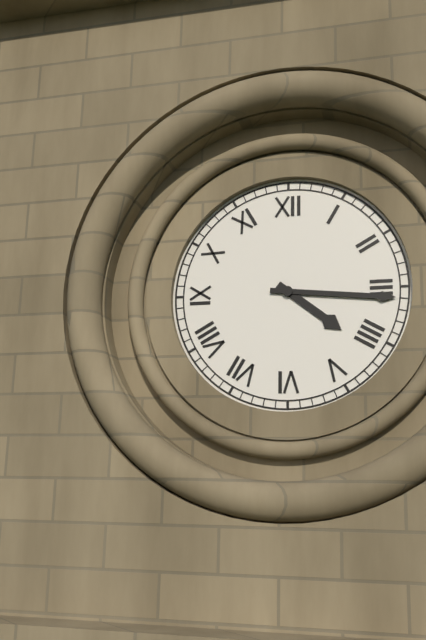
4:16
